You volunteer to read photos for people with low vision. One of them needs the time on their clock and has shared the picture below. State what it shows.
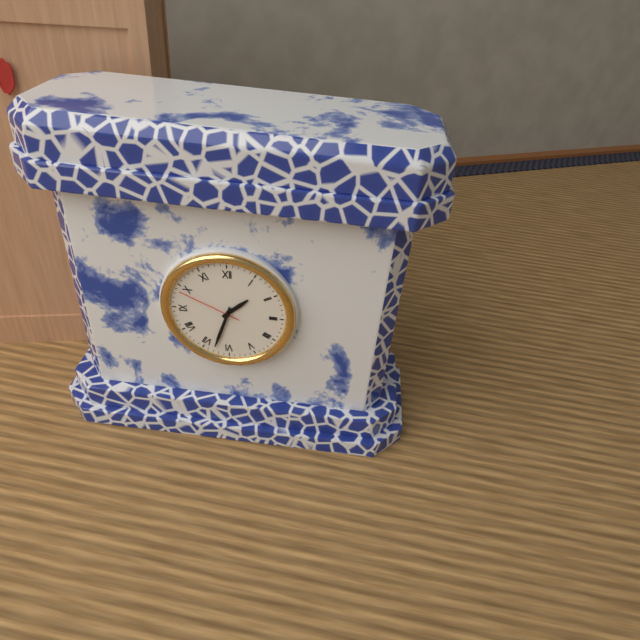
1:33:49
